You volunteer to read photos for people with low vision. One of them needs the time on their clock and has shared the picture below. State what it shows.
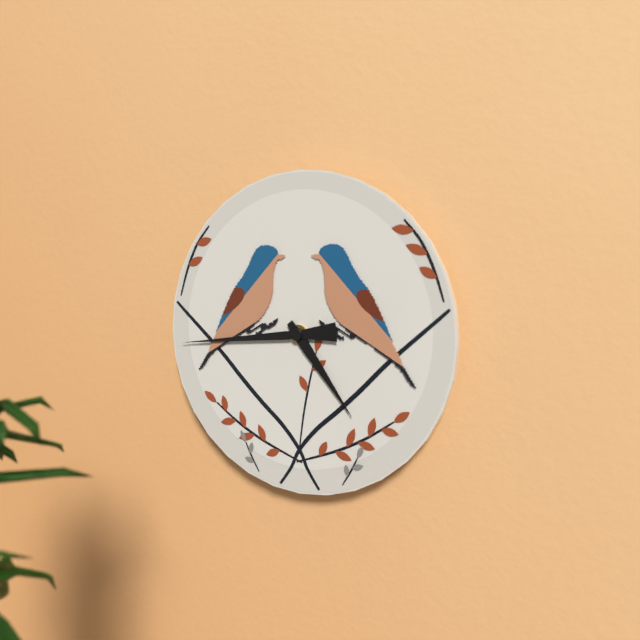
4:44
